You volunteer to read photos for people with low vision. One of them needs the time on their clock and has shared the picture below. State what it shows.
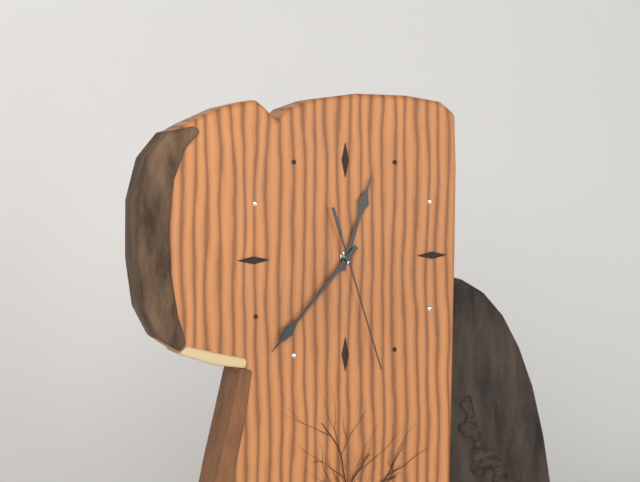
12:37:27
